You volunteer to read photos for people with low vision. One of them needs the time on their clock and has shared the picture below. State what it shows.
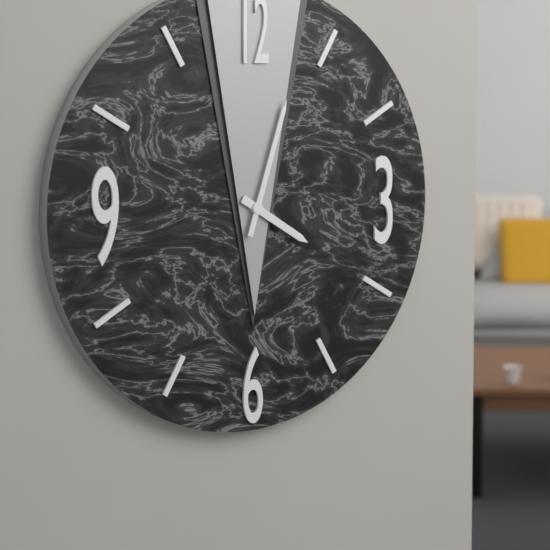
4:03
